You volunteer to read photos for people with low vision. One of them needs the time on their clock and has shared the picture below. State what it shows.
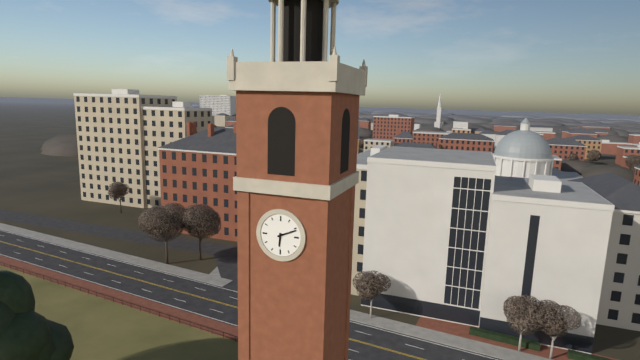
6:11
